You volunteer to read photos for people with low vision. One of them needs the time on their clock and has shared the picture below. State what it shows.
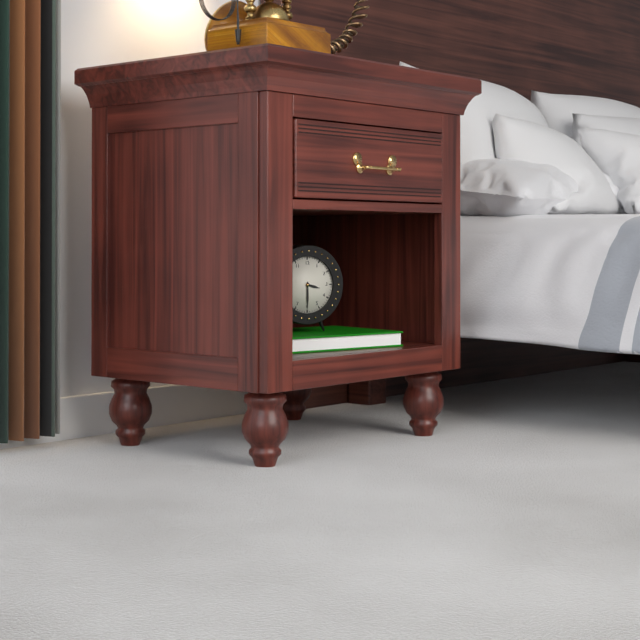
3:30
